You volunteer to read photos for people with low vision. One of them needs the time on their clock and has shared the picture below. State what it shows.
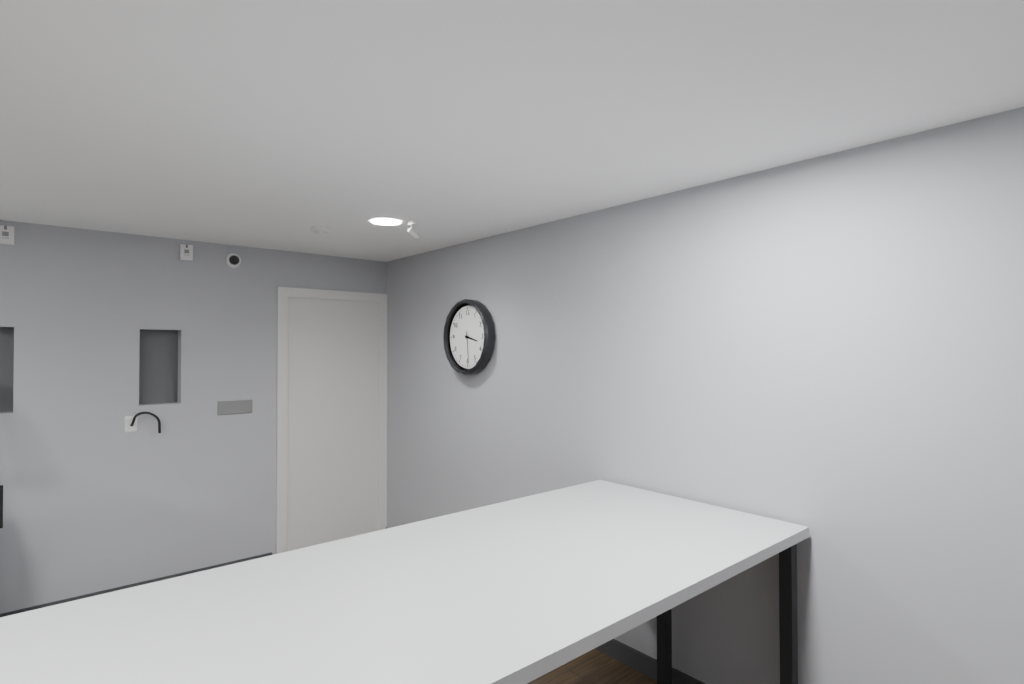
3:29
